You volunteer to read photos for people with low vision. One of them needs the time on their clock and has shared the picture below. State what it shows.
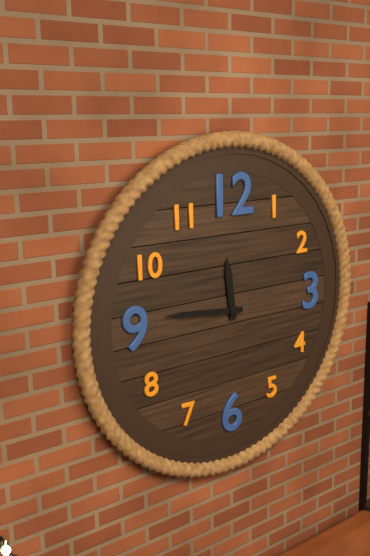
11:46
